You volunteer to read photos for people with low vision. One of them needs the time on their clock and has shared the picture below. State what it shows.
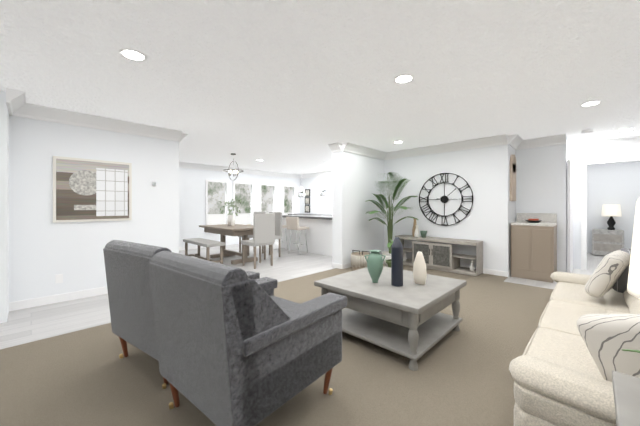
9:08
